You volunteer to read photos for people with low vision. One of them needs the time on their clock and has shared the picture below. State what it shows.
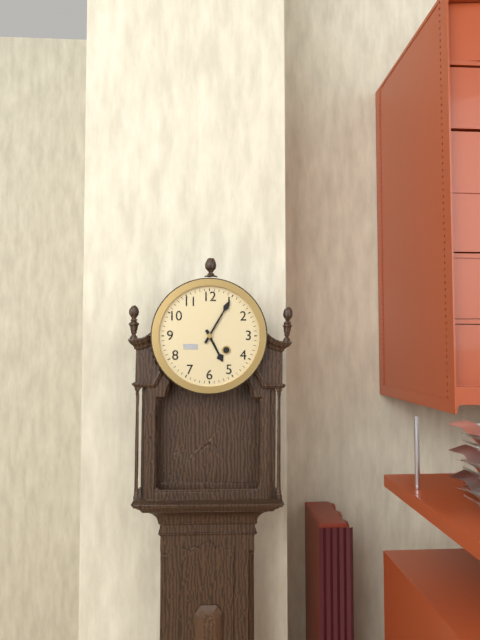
5:05
